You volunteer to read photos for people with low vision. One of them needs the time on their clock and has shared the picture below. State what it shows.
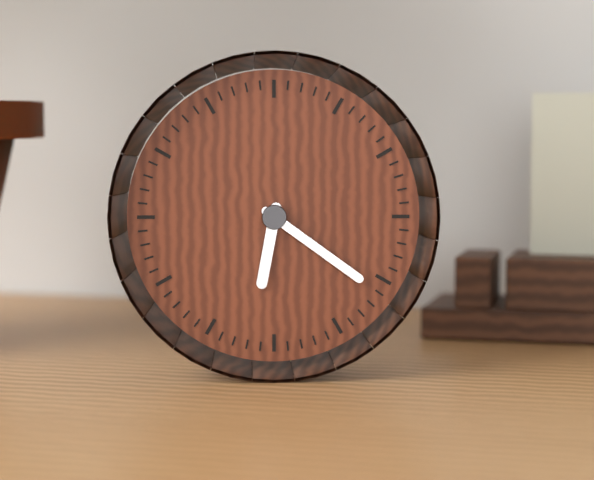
6:21
